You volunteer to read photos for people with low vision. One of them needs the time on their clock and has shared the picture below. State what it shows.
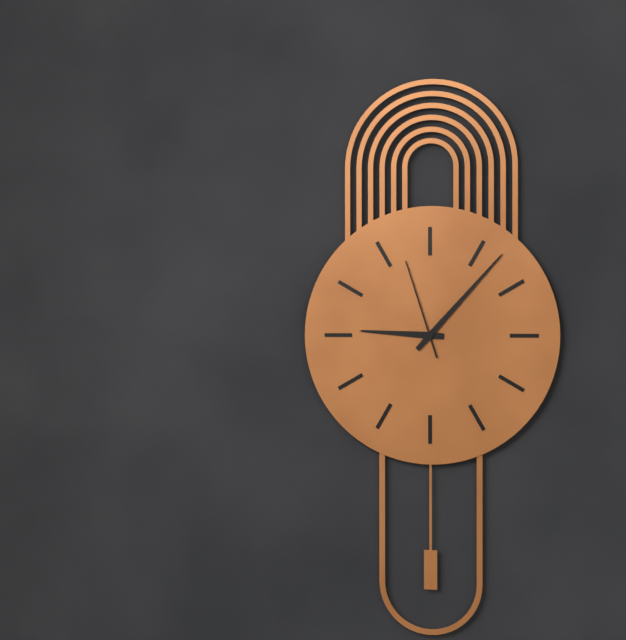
9:07:57
